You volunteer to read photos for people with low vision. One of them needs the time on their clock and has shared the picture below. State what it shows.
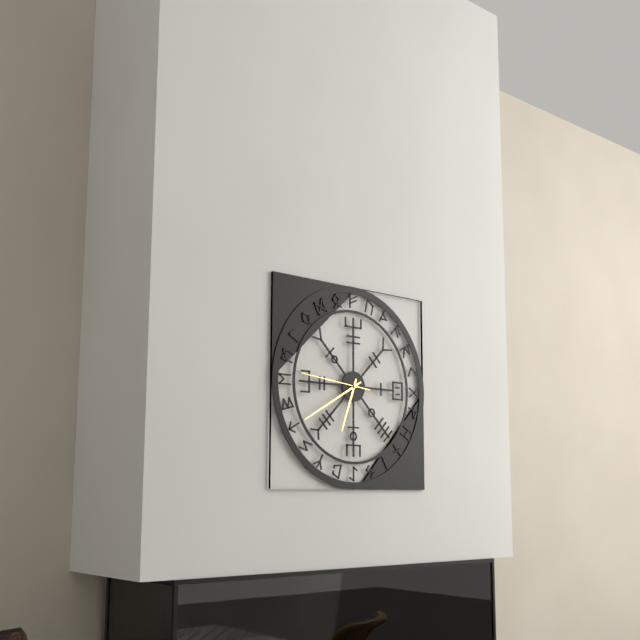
6:40:46
